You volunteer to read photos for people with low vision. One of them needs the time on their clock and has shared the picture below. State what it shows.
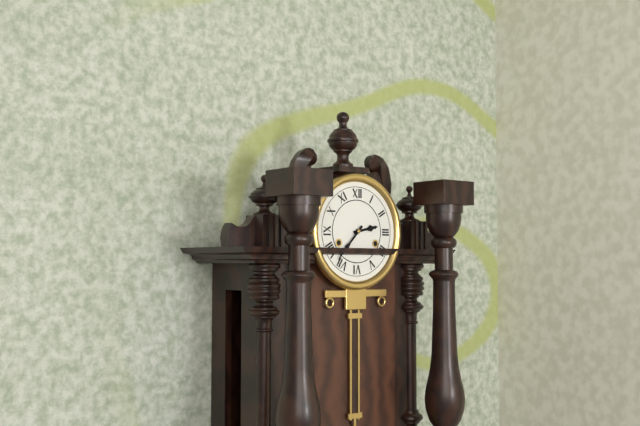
2:37
